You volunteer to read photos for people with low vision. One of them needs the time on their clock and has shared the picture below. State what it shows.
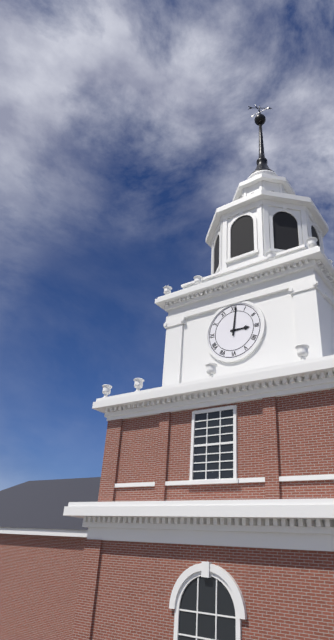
3:01
